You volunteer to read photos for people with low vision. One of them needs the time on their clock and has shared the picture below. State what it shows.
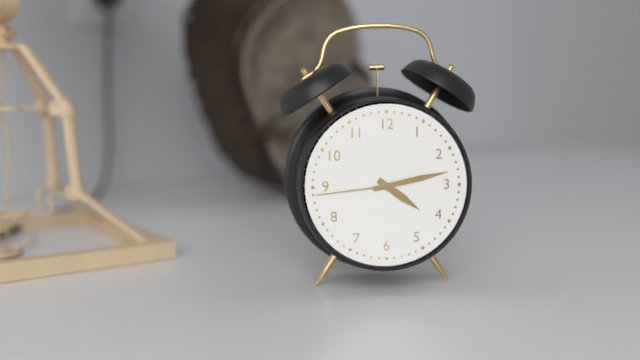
4:13:44
